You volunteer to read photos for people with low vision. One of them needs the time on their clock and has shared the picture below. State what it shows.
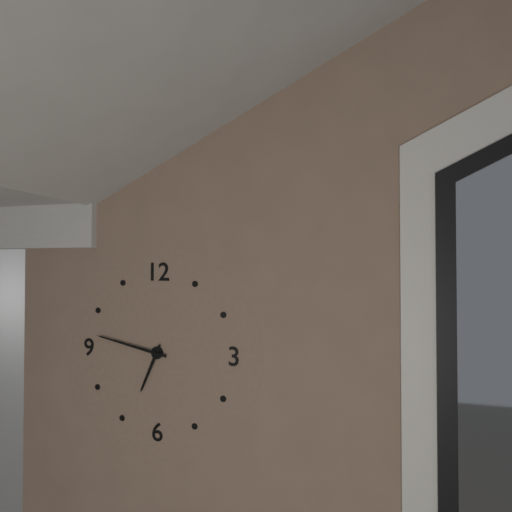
6:47
